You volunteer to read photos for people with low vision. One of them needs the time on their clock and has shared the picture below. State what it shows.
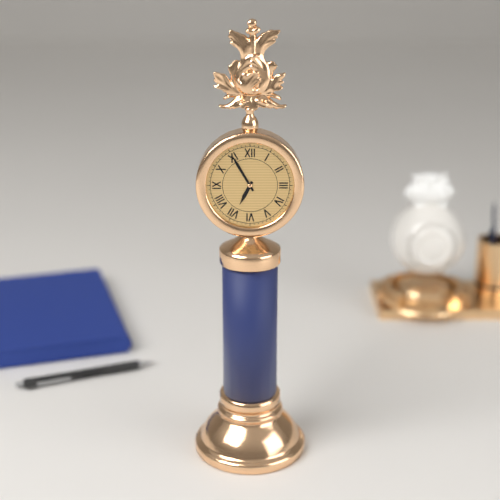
6:55
